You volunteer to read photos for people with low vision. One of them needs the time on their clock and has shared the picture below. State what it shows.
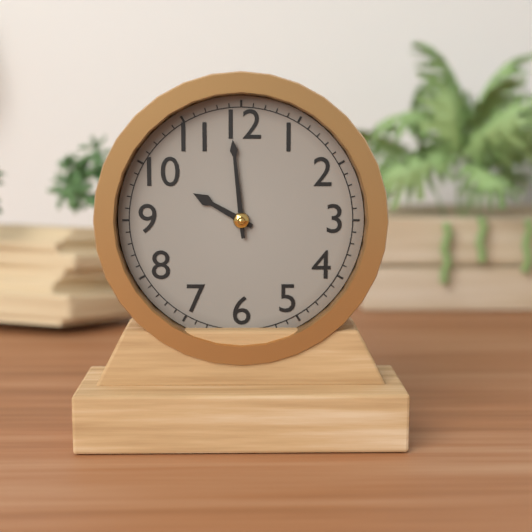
9:59
